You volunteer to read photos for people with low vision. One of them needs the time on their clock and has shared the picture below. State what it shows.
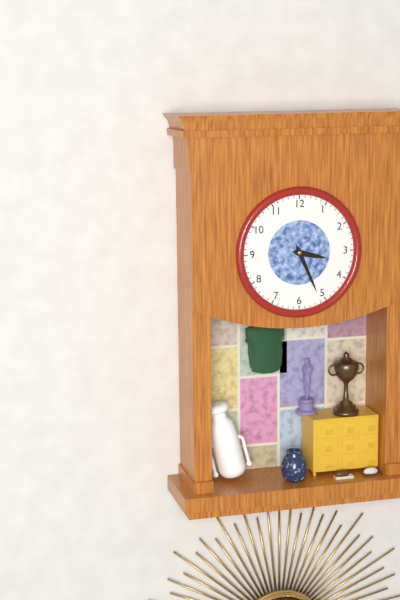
3:26
